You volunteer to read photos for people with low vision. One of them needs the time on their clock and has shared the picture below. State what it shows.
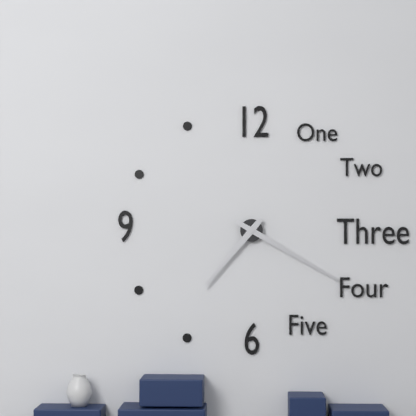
7:20
